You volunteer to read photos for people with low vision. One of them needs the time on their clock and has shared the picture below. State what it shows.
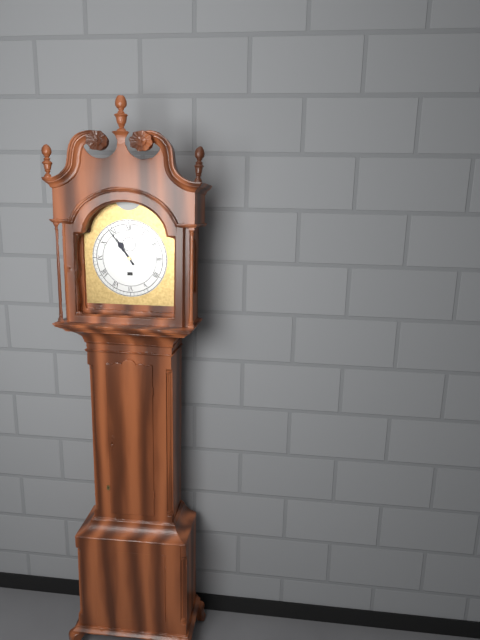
10:54
